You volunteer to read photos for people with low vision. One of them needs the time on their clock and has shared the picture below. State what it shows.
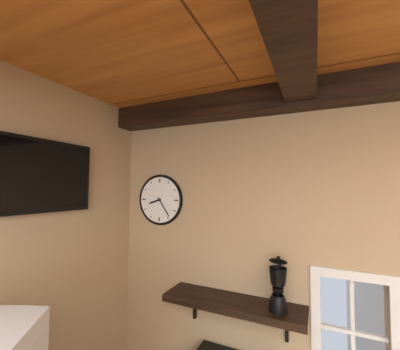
8:24
